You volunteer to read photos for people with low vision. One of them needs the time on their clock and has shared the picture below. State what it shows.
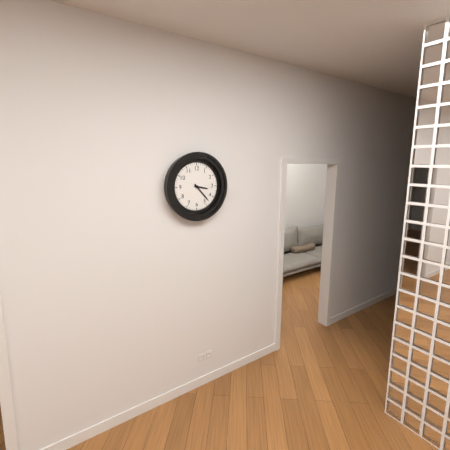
3:23
